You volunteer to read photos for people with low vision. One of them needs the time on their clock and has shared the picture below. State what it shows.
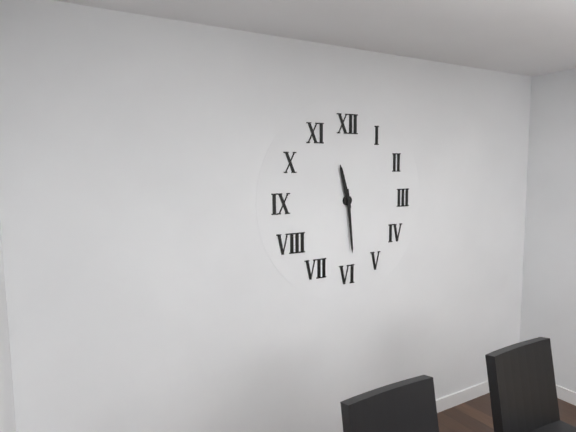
11:29
